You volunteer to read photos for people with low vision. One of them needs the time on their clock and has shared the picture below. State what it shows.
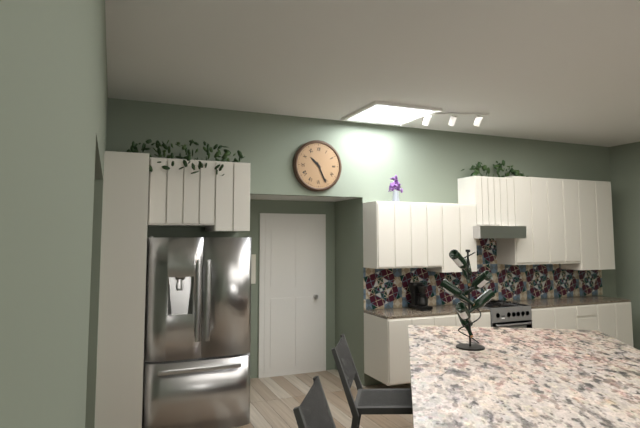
10:26
